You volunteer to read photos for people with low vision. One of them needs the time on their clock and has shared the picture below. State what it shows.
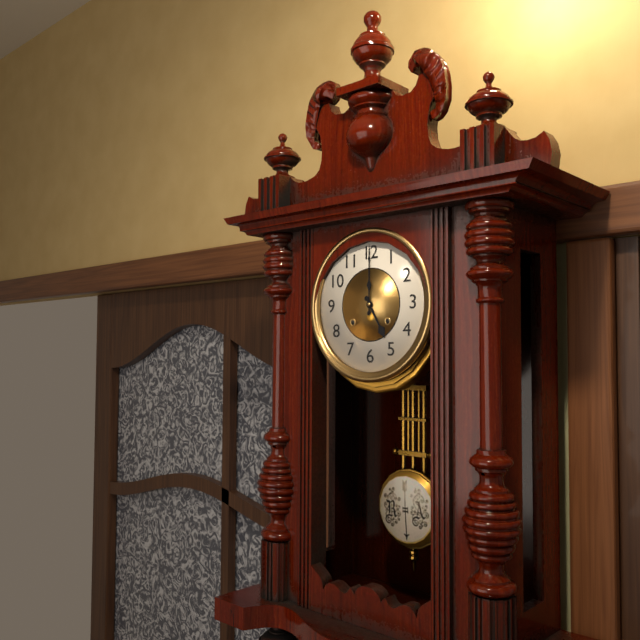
5:00
